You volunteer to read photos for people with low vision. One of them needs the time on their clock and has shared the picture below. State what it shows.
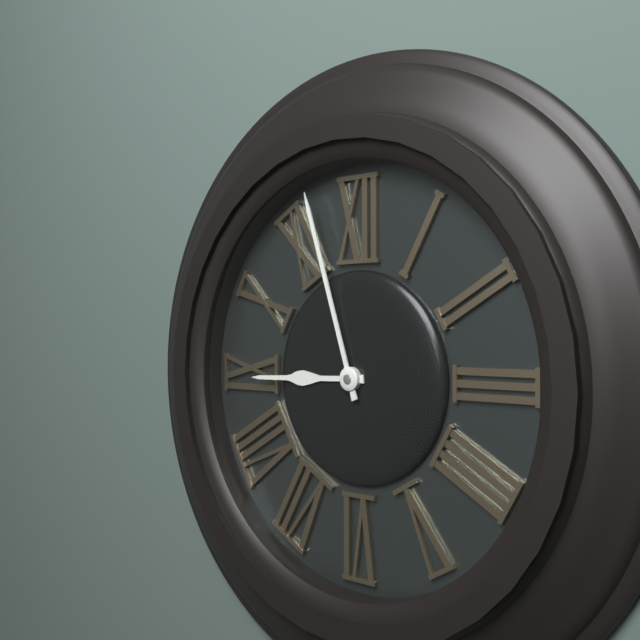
8:57
